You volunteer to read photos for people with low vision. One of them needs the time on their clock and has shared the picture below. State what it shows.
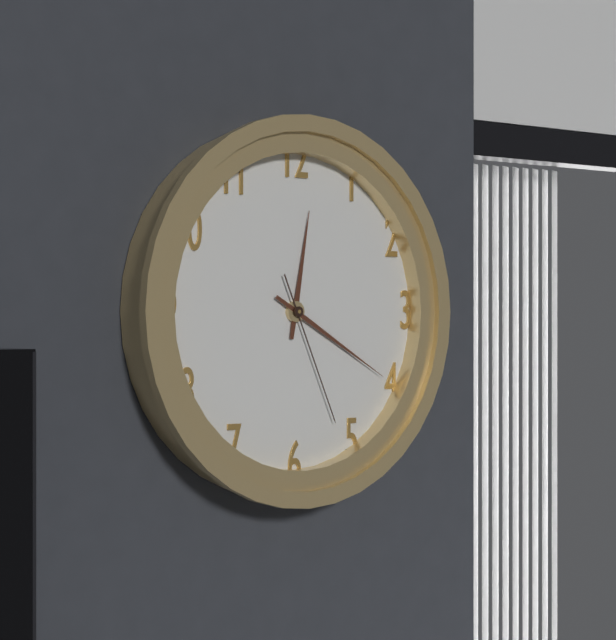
12:20:26
